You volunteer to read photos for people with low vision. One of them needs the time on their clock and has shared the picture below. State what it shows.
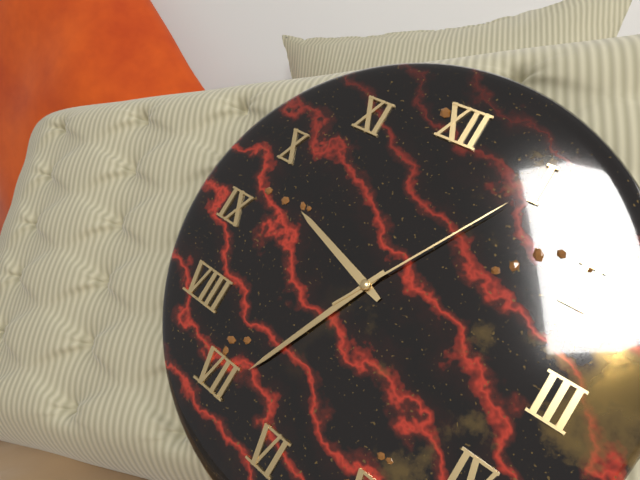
9:34:05
